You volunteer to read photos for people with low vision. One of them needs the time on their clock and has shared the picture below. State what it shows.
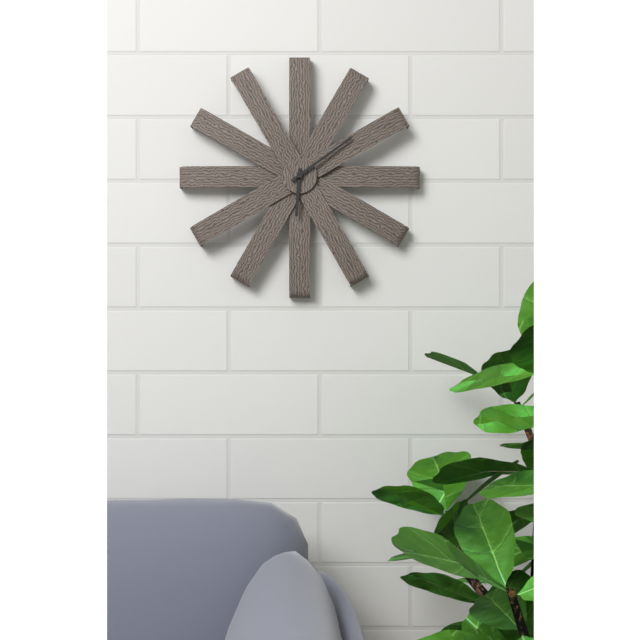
6:09
